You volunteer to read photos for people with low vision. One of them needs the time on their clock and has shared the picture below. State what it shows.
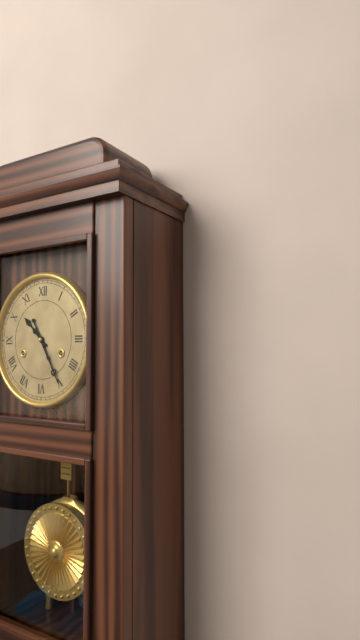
10:25
